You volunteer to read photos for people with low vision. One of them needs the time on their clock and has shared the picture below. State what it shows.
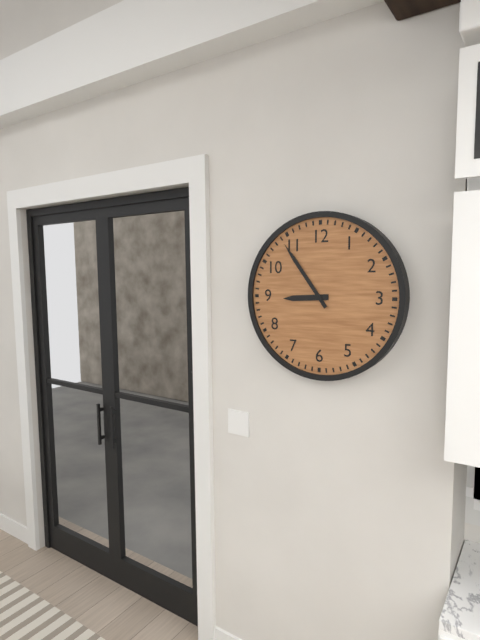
8:54
